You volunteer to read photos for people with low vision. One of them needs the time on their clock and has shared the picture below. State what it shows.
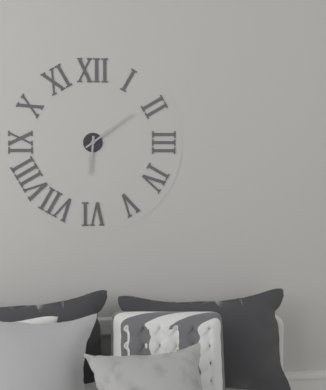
6:09
